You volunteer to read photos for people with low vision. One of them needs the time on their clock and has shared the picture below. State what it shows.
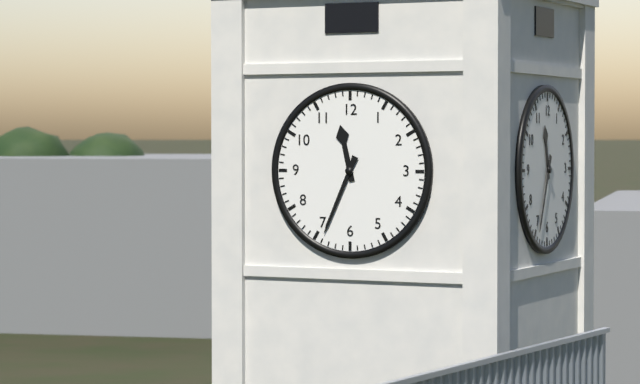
11:34
